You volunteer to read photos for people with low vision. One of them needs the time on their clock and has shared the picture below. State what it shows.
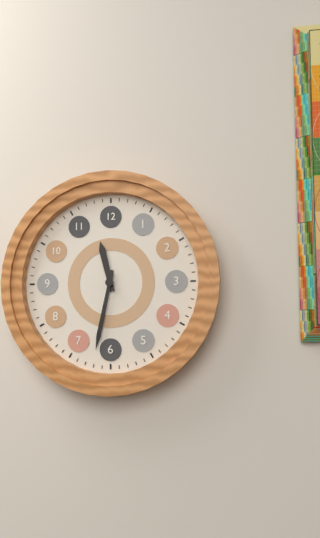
11:32
